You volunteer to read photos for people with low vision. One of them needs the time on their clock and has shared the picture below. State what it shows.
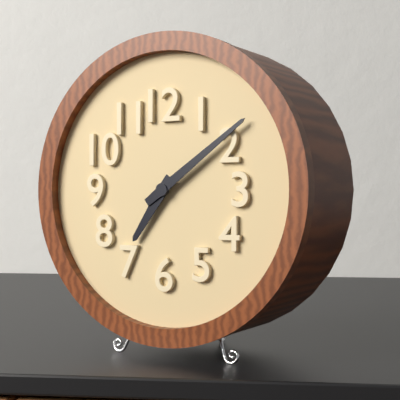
7:09
